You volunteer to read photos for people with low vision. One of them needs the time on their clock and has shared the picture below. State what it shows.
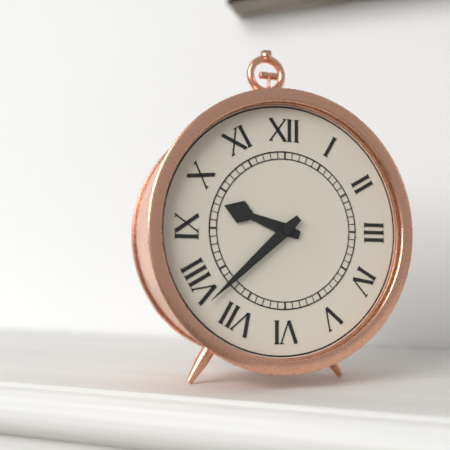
9:38
